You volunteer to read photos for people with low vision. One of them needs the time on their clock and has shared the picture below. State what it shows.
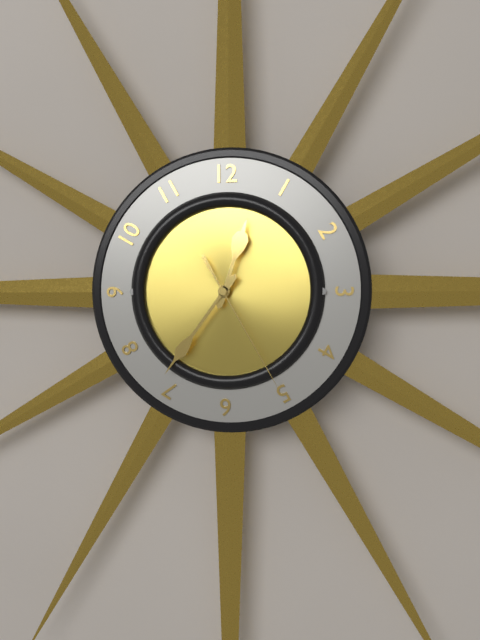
12:36:25
